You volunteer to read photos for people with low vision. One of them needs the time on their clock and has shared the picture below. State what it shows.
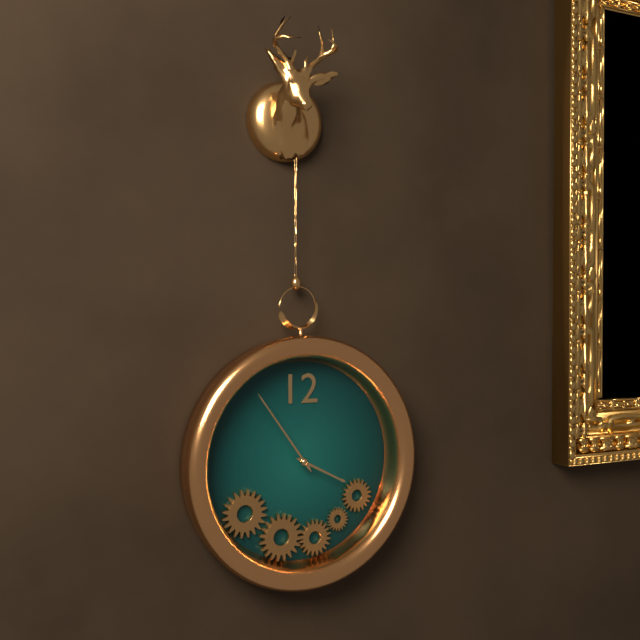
3:54
